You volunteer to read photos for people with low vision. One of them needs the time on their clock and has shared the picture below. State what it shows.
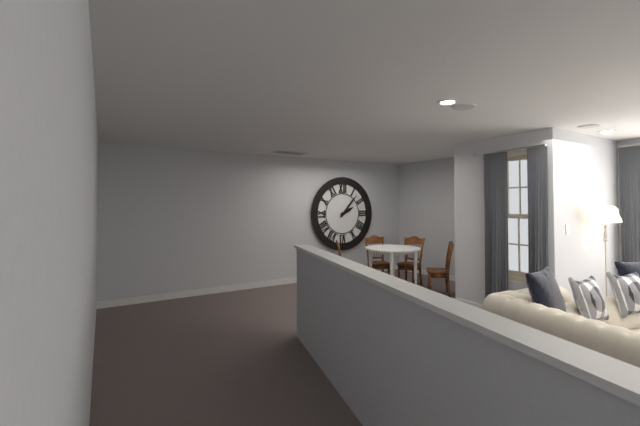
2:07
